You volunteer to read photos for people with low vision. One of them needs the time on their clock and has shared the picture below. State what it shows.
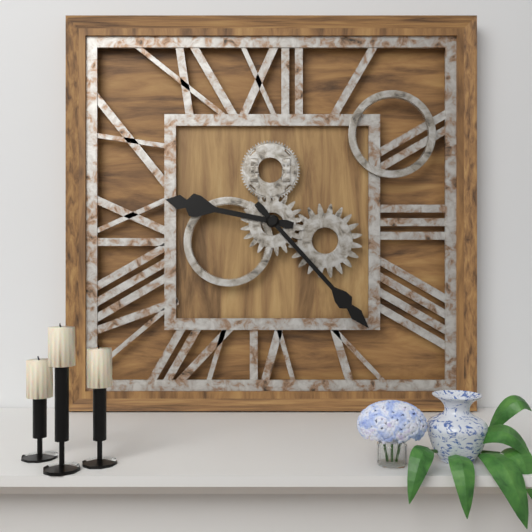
9:23
